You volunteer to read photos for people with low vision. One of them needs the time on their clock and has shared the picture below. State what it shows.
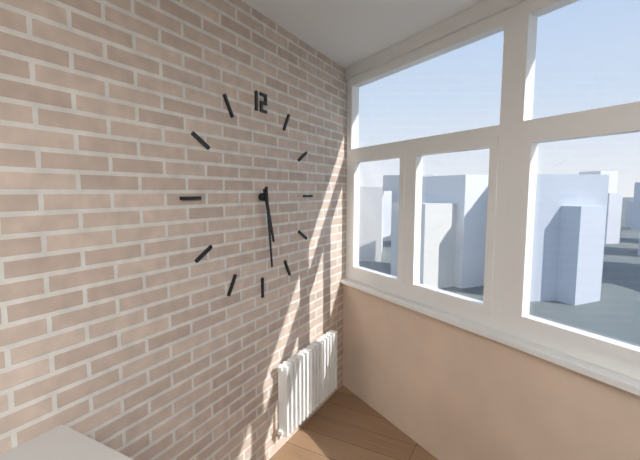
5:29
